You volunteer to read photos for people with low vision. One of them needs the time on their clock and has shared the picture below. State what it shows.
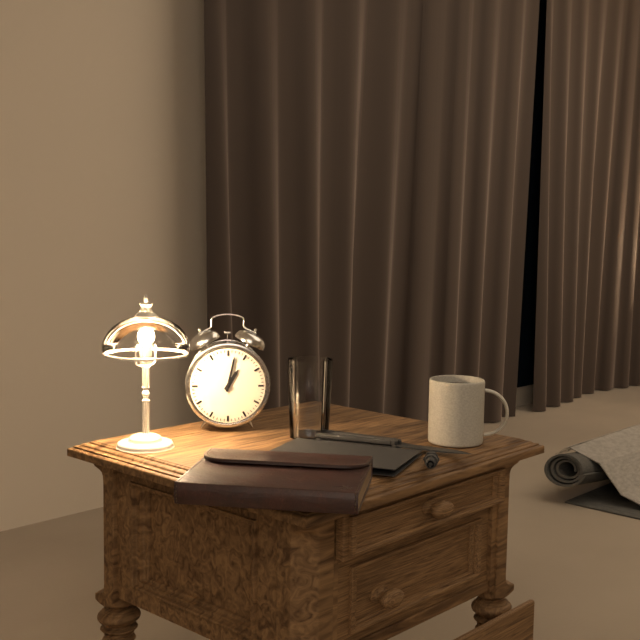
1:02
